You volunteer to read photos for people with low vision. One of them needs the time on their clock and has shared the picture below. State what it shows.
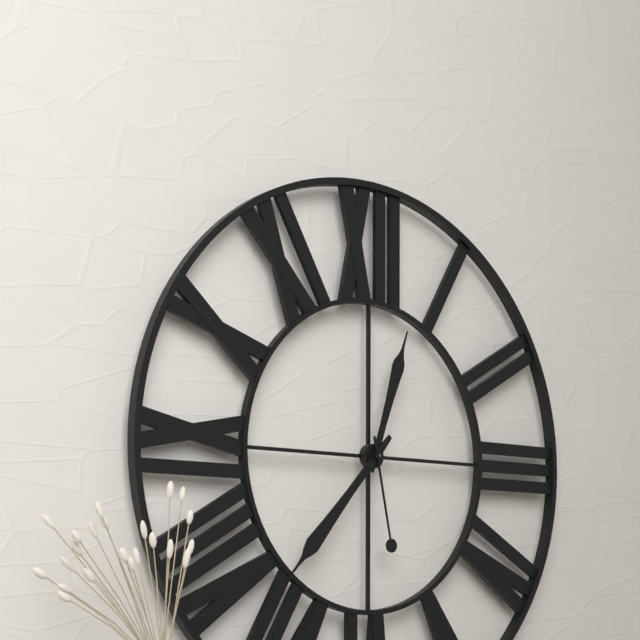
12:37:28
